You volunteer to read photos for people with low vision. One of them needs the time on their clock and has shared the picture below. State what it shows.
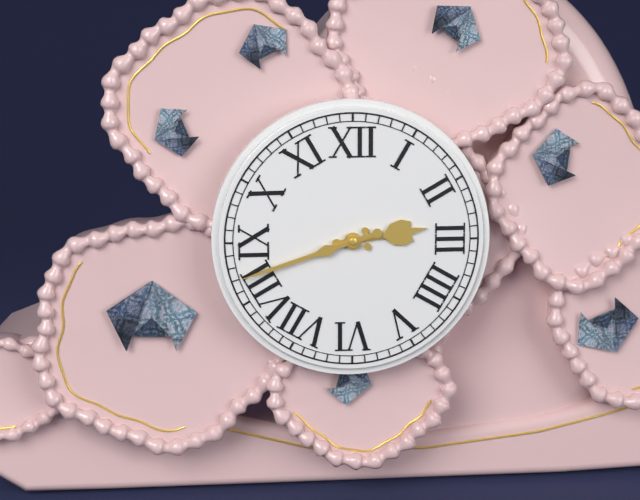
2:42
